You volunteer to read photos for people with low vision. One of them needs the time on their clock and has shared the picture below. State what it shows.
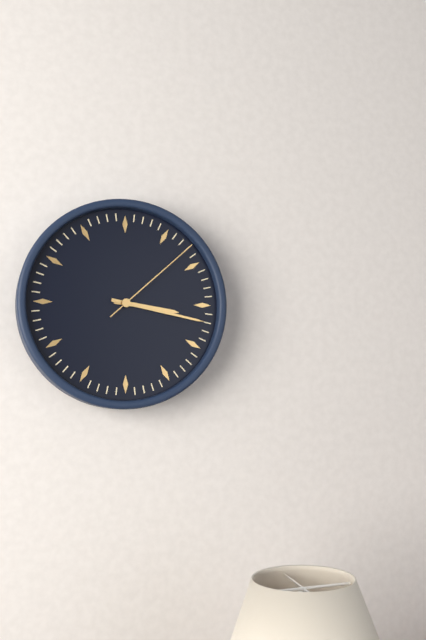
3:17:08
